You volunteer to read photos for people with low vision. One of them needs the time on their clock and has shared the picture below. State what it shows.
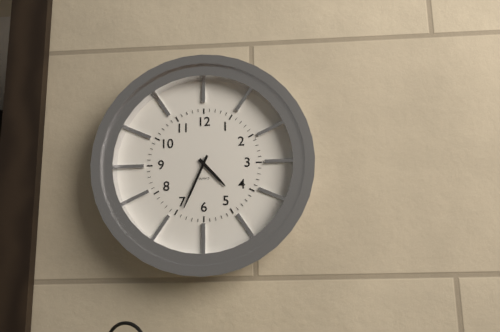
4:34
